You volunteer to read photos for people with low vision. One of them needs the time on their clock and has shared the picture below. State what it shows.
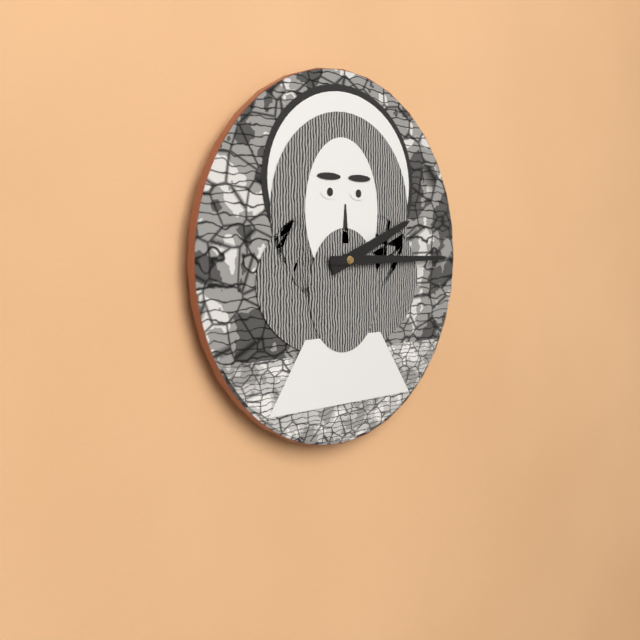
2:15
